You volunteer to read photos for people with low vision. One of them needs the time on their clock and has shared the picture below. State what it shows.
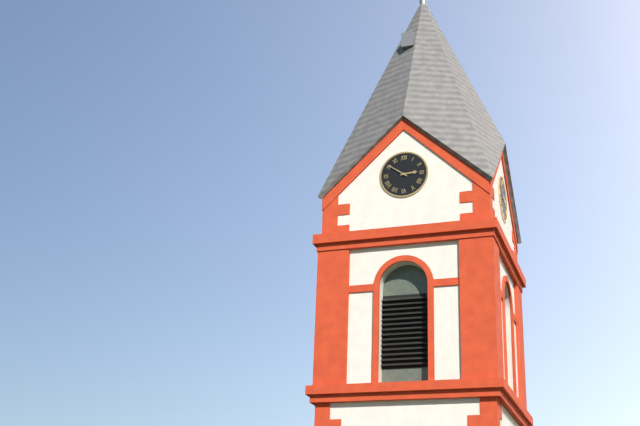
2:51
